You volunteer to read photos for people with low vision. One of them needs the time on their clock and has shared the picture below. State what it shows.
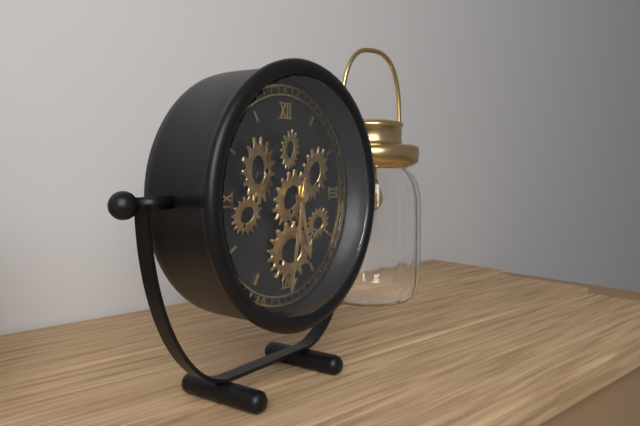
5:32
